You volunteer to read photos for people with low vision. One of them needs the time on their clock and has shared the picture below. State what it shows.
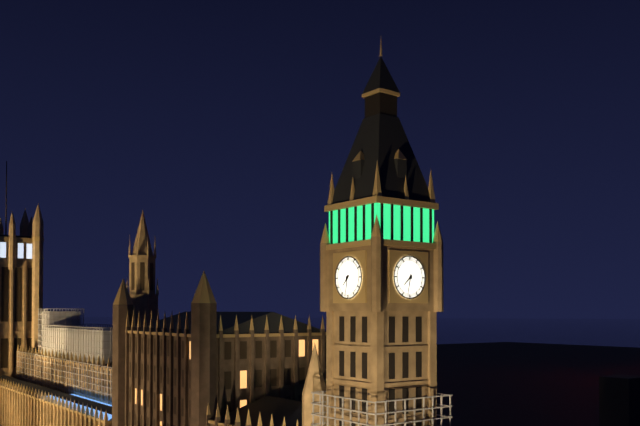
7:32
